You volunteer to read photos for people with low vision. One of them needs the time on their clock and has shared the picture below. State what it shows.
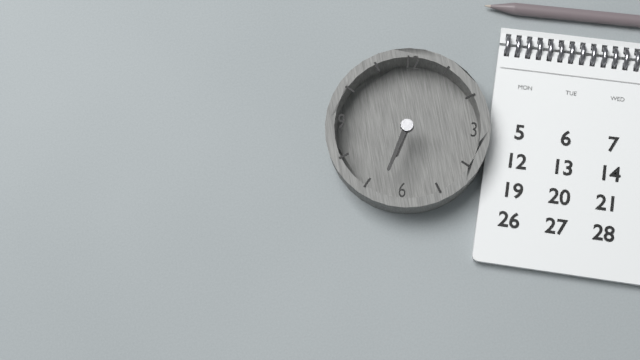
6:33
